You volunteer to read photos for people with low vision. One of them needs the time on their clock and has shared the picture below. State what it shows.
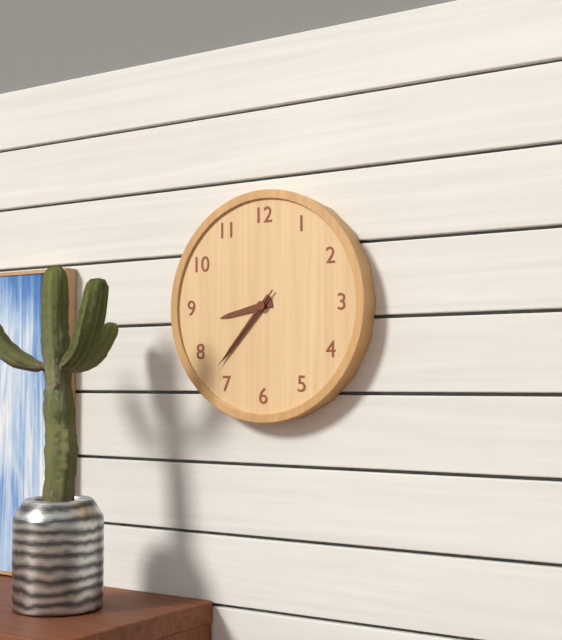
8:37:37
